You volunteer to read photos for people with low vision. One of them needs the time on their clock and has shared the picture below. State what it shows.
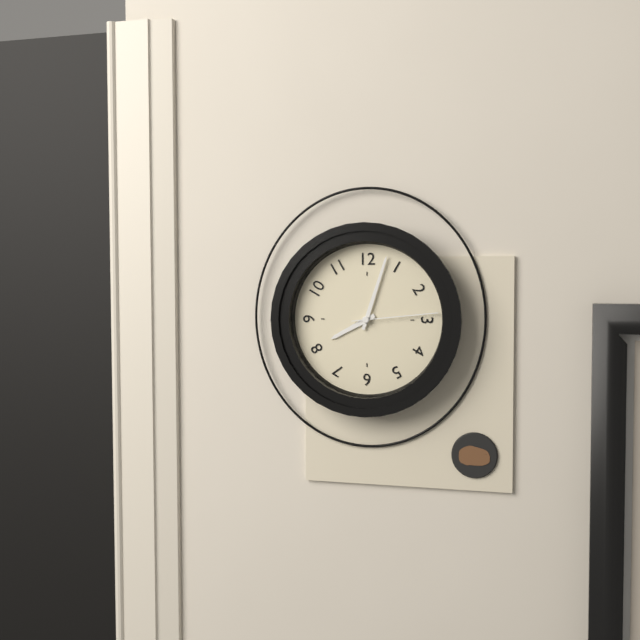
8:03:14
